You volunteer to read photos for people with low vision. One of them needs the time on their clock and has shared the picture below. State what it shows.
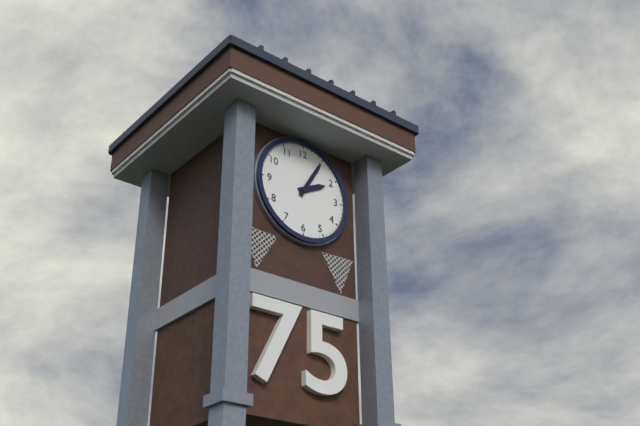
2:05
